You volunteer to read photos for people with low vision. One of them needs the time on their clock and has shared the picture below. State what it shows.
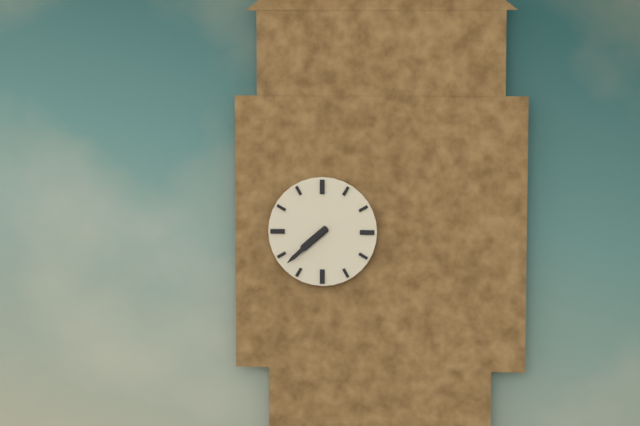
7:38
